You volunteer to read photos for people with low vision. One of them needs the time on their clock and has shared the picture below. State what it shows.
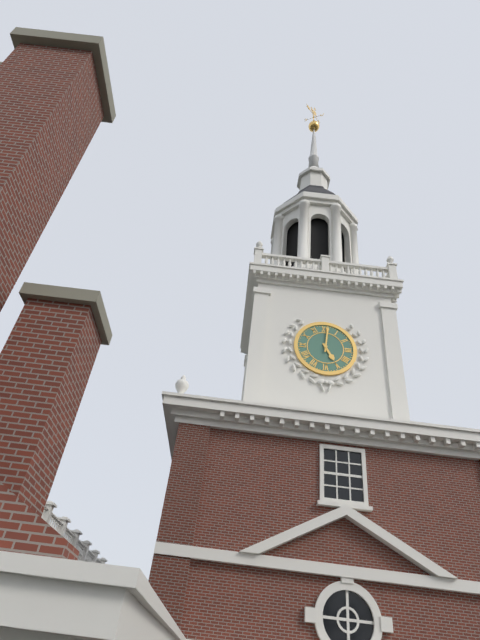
5:01
